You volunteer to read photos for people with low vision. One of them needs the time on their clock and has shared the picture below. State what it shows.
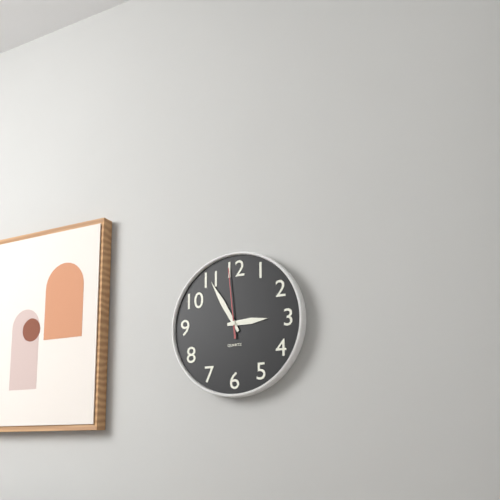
2:55:59
